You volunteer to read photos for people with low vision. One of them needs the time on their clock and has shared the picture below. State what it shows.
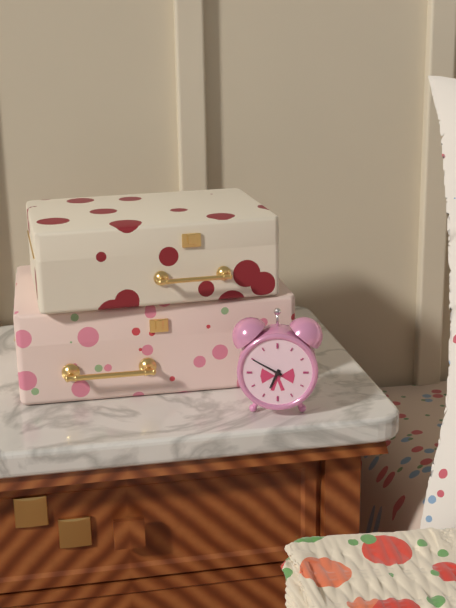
6:50
